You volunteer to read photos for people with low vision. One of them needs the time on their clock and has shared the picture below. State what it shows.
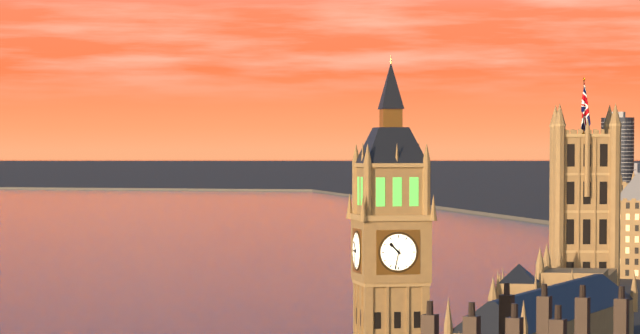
10:32
